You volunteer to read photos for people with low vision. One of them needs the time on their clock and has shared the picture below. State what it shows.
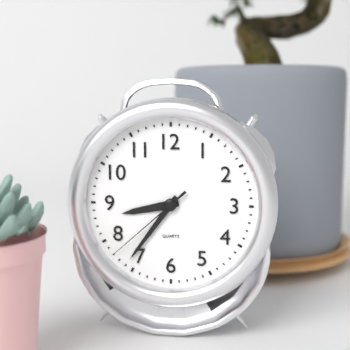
8:36:38
